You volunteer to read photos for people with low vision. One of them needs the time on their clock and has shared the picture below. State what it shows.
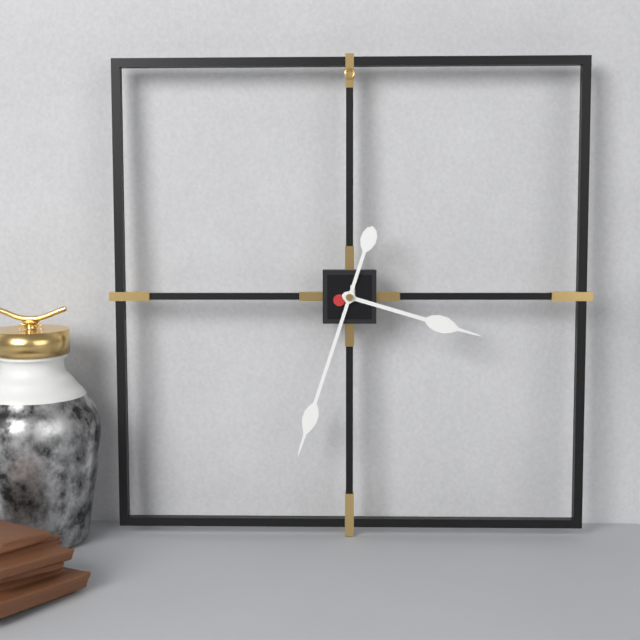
3:33
